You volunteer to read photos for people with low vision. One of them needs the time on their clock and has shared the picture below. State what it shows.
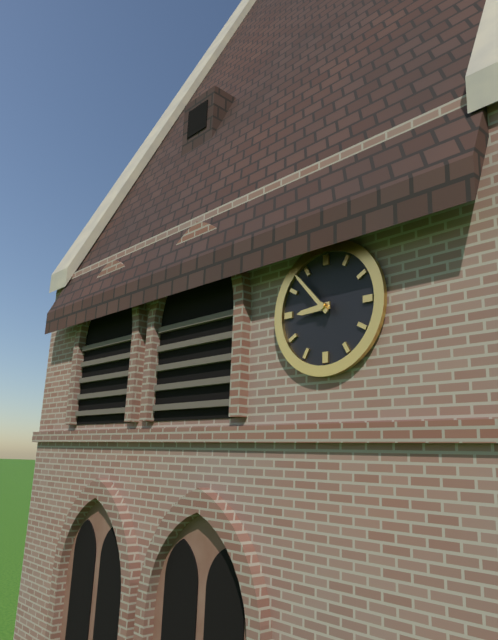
8:53
